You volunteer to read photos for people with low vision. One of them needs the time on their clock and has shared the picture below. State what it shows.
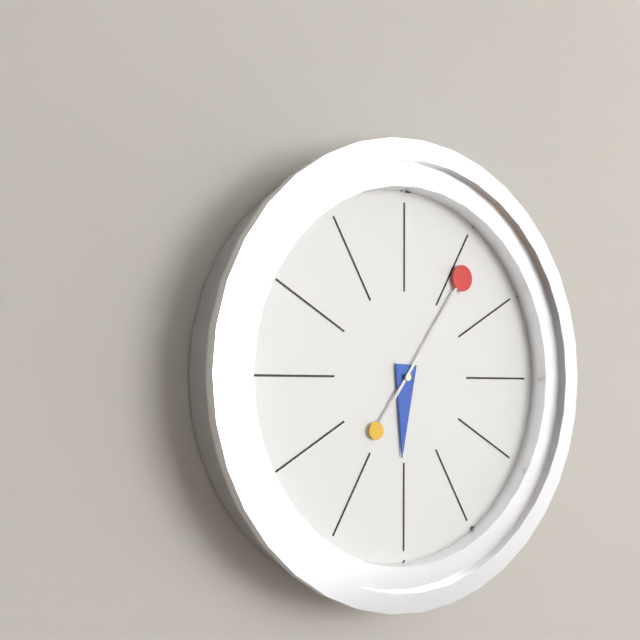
6:06
